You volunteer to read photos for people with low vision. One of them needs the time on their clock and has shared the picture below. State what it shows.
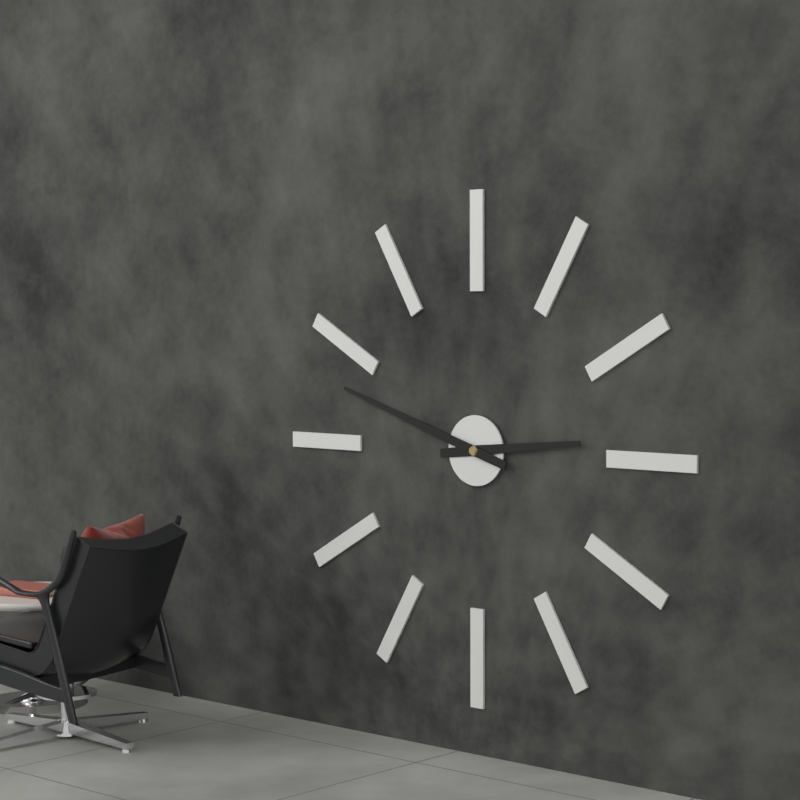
2:48
